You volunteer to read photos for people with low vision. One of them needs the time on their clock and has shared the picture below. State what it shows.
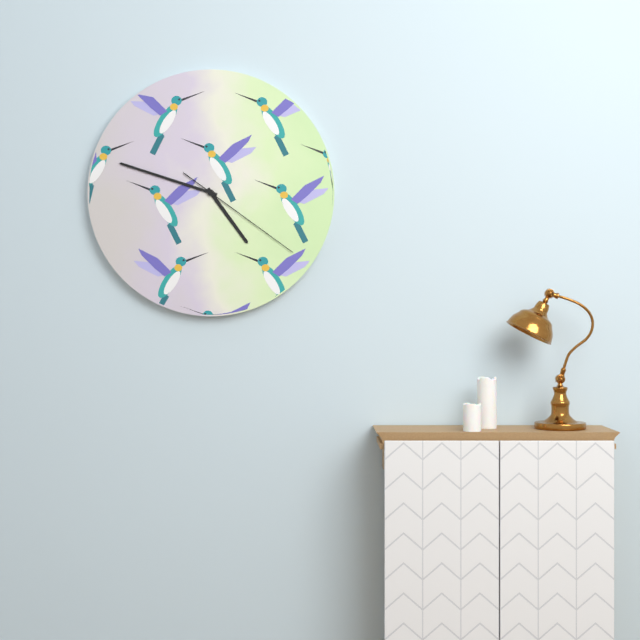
4:48:21
